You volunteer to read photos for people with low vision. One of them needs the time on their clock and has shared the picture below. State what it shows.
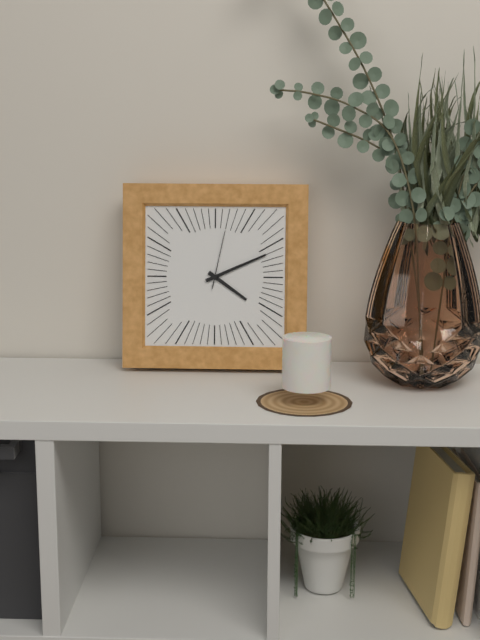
4:11:02
